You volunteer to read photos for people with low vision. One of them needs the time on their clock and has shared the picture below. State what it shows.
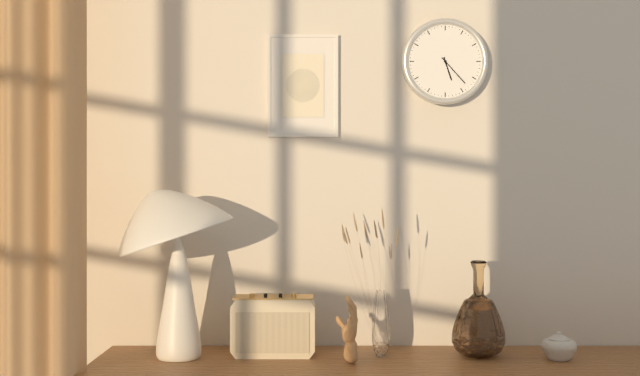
5:23
